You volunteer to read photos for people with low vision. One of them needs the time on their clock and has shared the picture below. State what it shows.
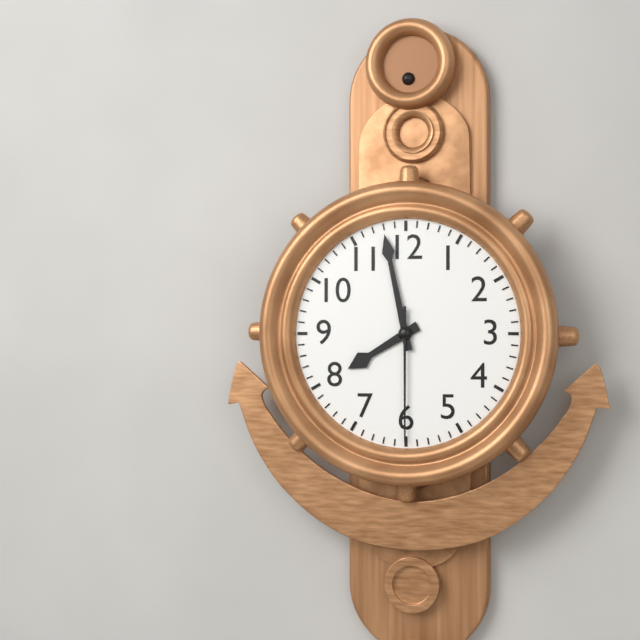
7:58:30
